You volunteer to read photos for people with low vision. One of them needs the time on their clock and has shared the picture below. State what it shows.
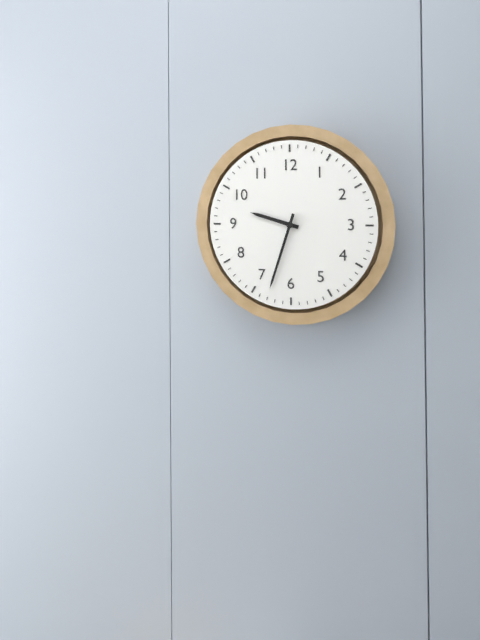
9:33
